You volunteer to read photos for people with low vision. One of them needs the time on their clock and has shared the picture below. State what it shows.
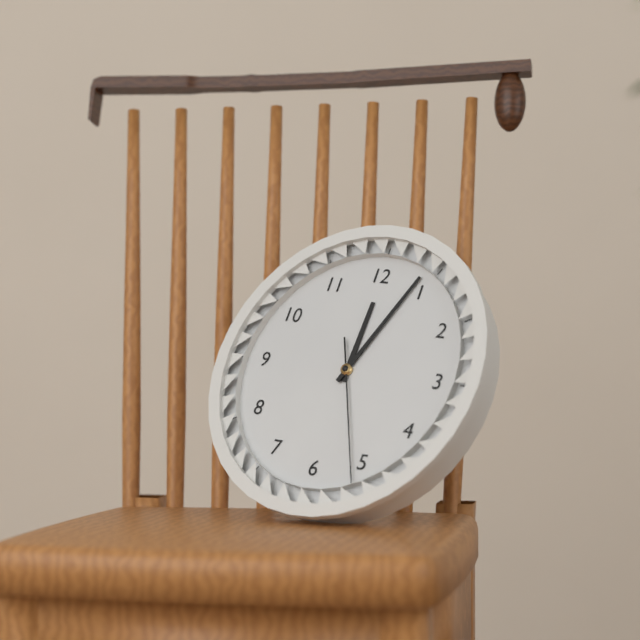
12:04:26
